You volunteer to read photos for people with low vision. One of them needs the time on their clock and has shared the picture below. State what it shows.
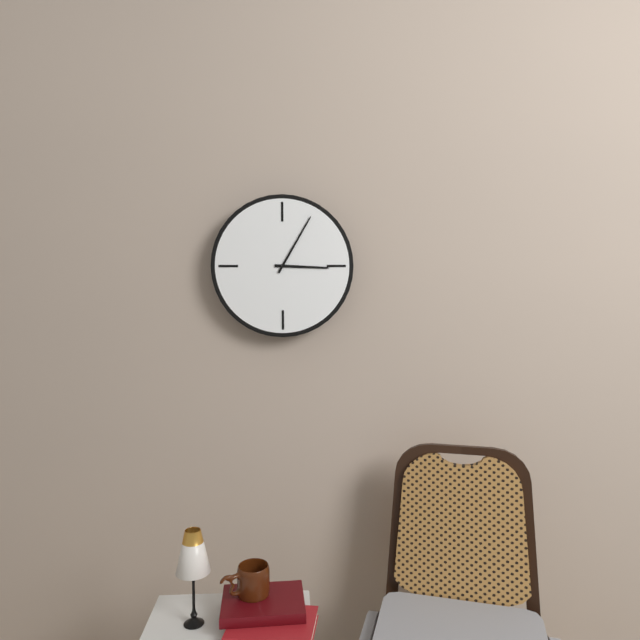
3:05
